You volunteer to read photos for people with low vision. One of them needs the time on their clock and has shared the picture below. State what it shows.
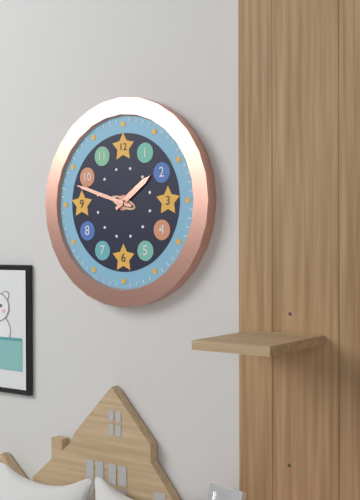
1:48
